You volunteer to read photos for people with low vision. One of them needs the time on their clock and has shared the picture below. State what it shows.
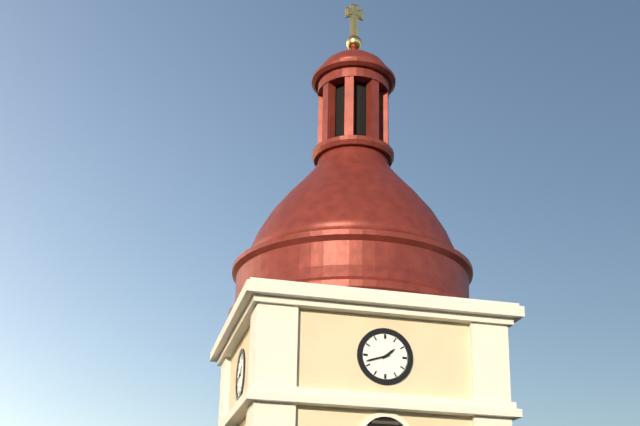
1:42
